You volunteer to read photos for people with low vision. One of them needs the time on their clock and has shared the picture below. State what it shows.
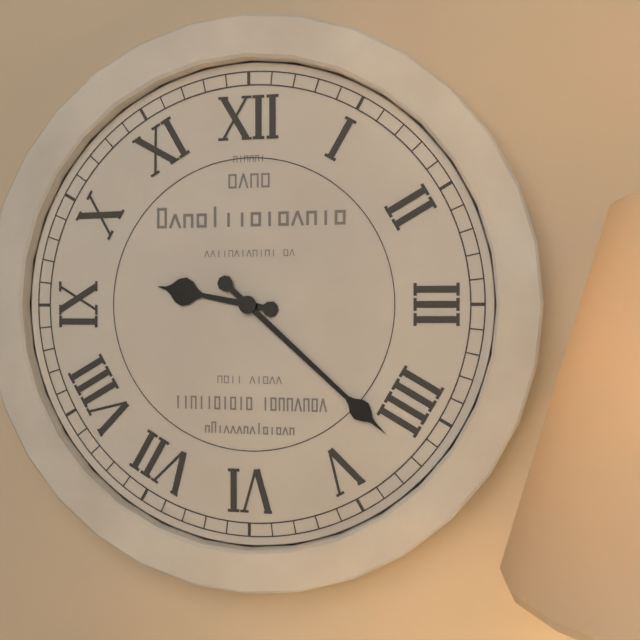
9:22
